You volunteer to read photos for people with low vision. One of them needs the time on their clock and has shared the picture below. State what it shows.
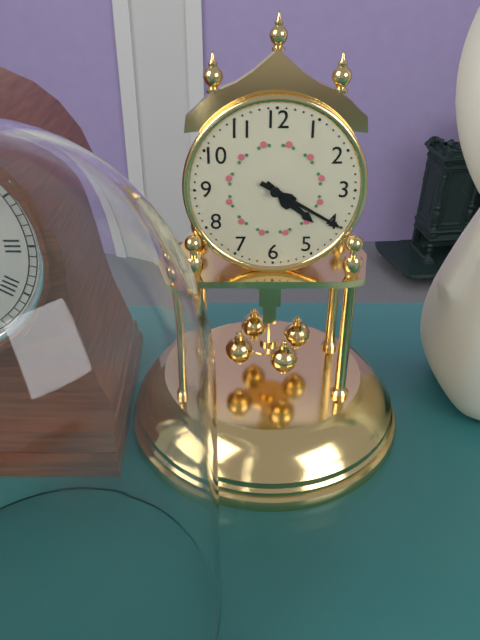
4:20
